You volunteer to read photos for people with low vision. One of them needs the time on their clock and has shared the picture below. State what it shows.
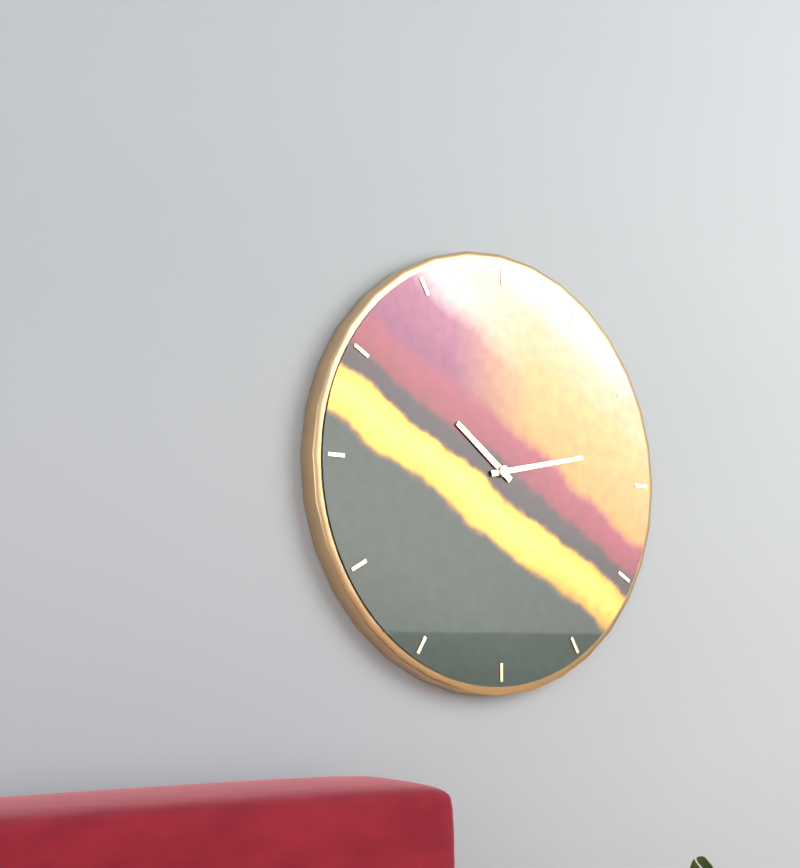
10:13
